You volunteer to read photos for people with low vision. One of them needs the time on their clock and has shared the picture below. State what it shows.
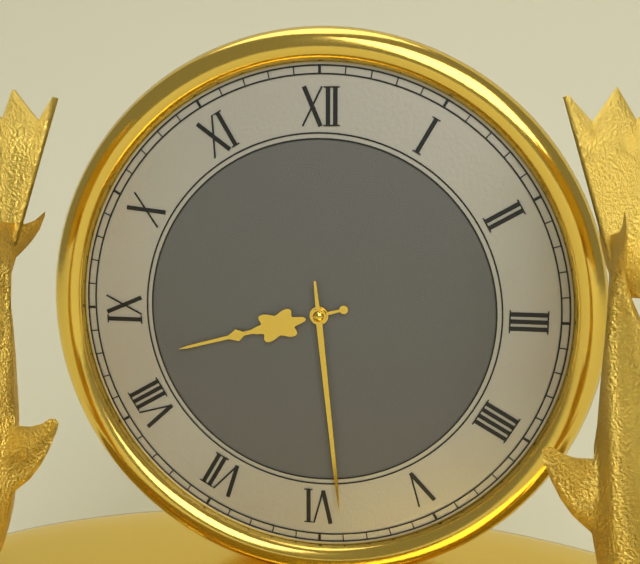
8:29
